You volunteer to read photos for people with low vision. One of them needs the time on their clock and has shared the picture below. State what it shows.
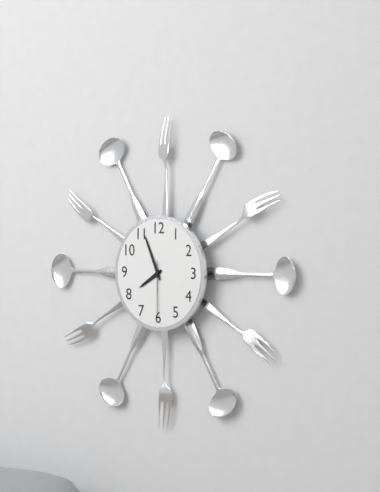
7:56:30
